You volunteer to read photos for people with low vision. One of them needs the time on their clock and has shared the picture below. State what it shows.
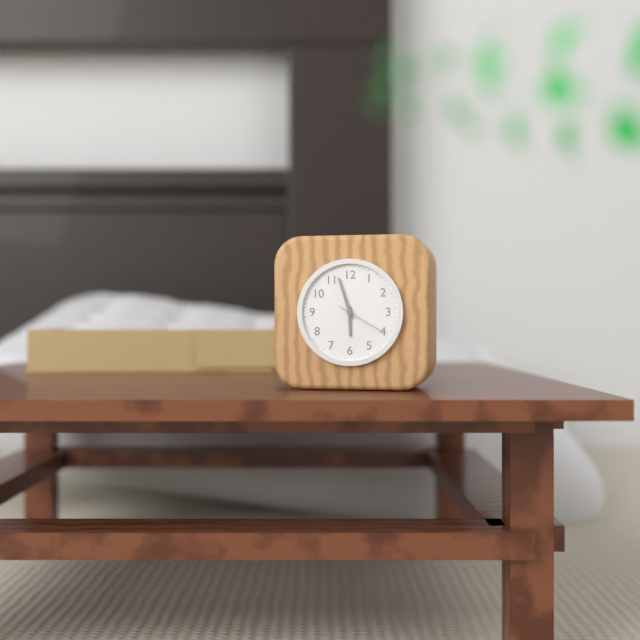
5:57
